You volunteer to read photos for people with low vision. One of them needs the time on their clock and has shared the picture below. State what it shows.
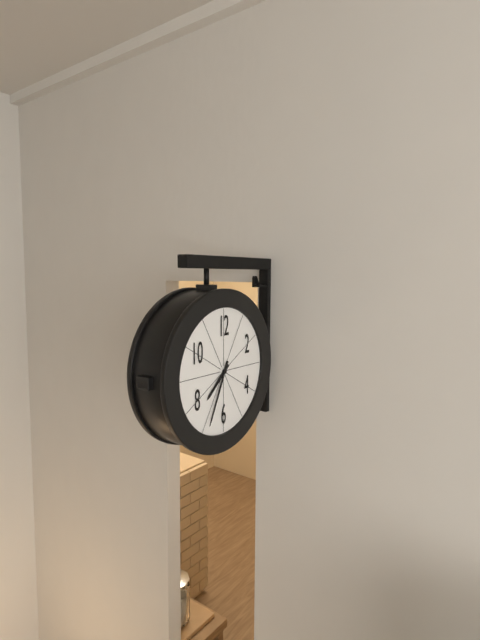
7:34
